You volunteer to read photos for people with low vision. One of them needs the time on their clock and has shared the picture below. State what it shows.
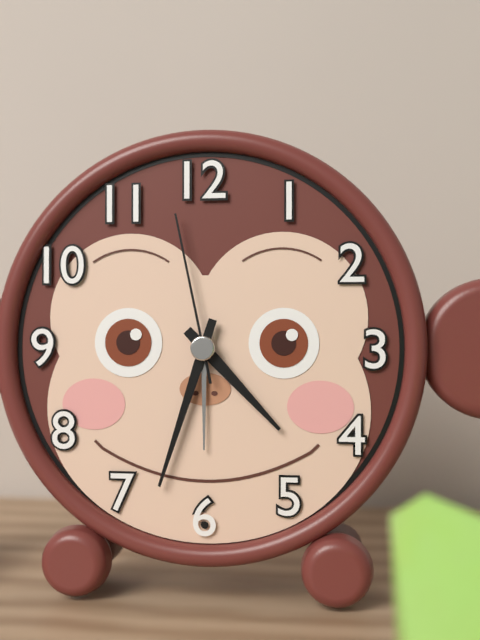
4:33:58
